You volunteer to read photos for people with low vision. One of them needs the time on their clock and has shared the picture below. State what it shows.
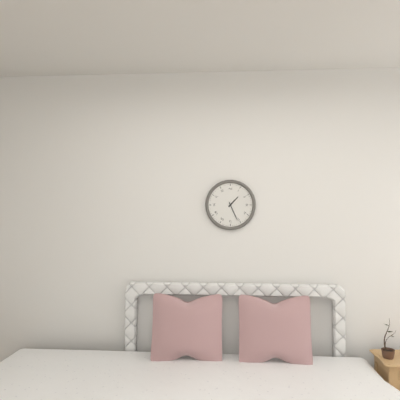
1:26
